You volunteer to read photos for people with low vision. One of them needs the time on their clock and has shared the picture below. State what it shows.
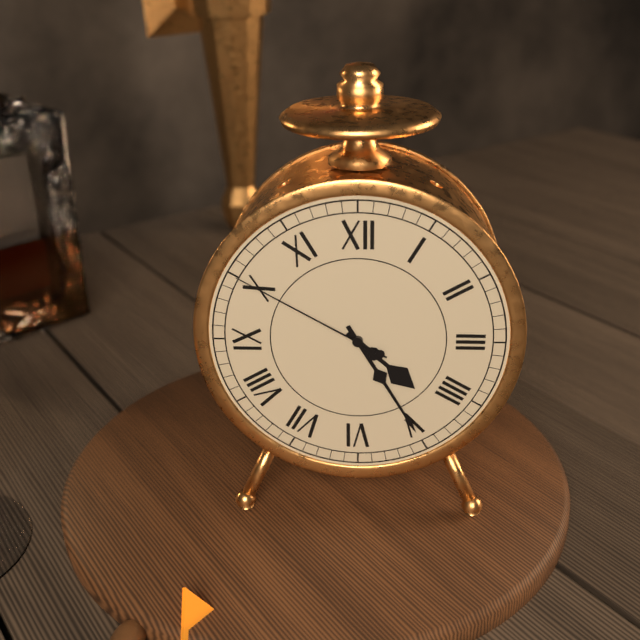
4:25:50
